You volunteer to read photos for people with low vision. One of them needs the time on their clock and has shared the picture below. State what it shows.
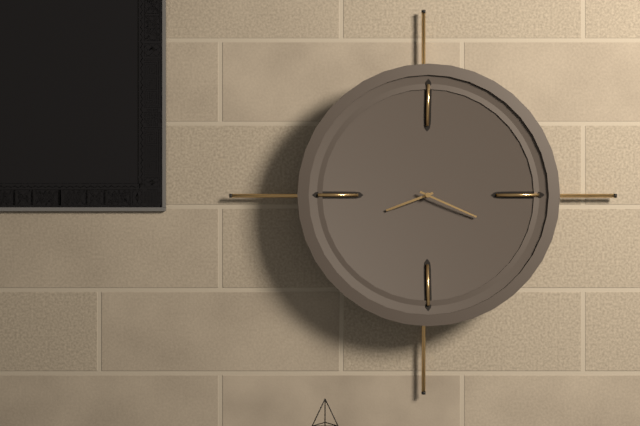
8:19
